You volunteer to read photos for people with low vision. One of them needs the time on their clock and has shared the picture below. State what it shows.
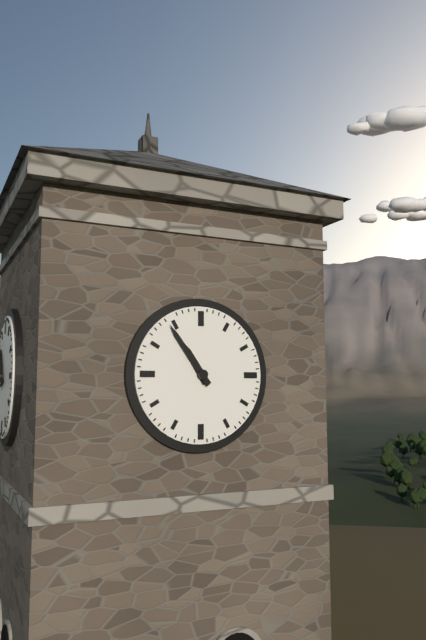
10:54
